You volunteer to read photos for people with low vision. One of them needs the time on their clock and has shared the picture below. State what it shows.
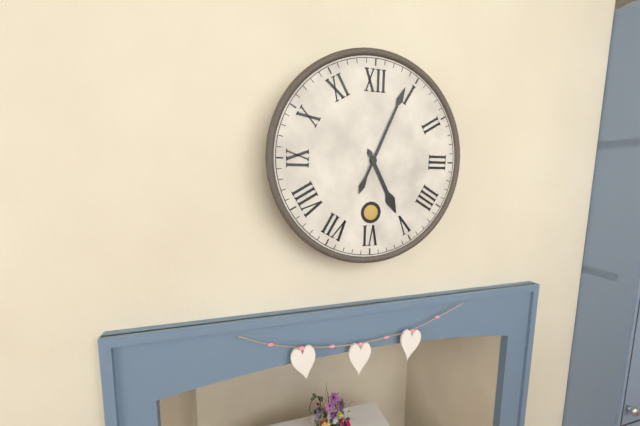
5:04
